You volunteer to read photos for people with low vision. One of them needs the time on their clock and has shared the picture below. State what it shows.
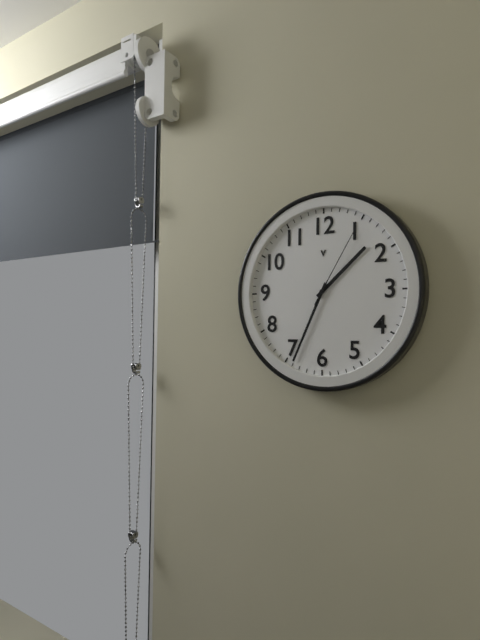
1:34:05
